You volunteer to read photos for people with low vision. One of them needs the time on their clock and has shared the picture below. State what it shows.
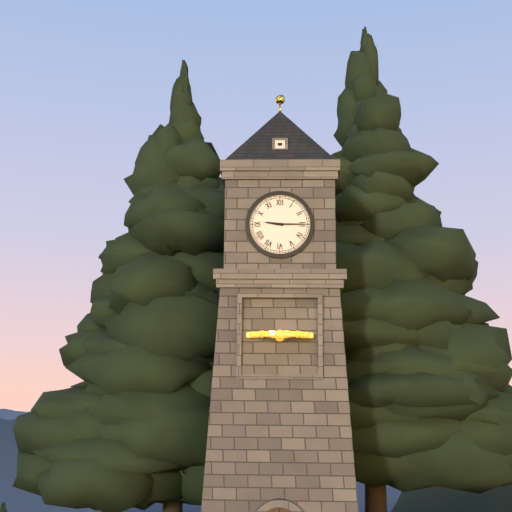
9:15
